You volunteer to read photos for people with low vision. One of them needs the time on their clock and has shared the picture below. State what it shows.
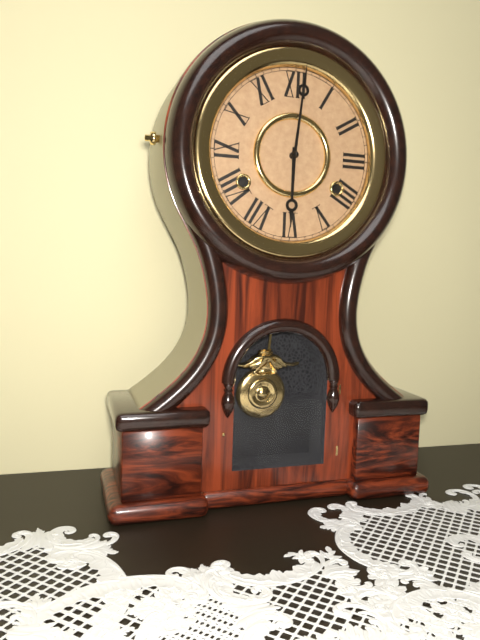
6:01
